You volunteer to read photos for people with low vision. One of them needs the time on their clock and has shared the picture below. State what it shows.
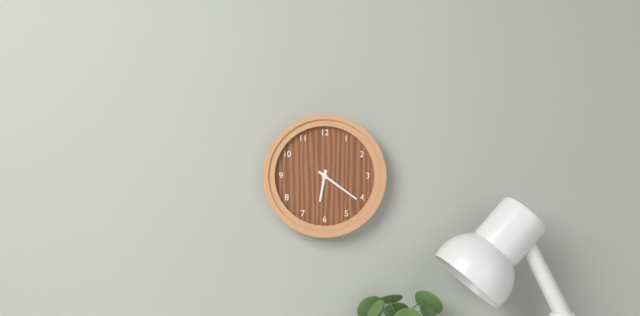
6:21
